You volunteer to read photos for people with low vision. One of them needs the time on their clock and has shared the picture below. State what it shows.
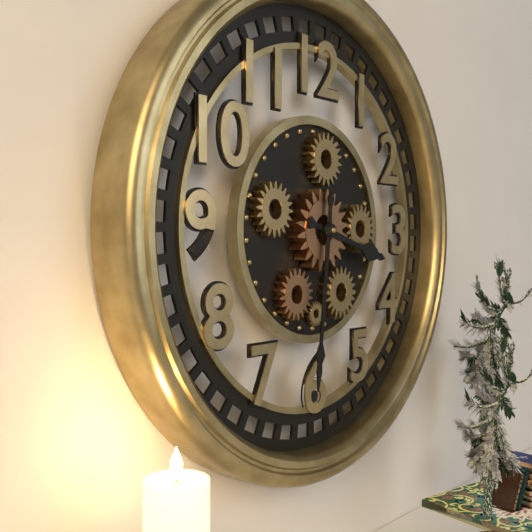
3:31
